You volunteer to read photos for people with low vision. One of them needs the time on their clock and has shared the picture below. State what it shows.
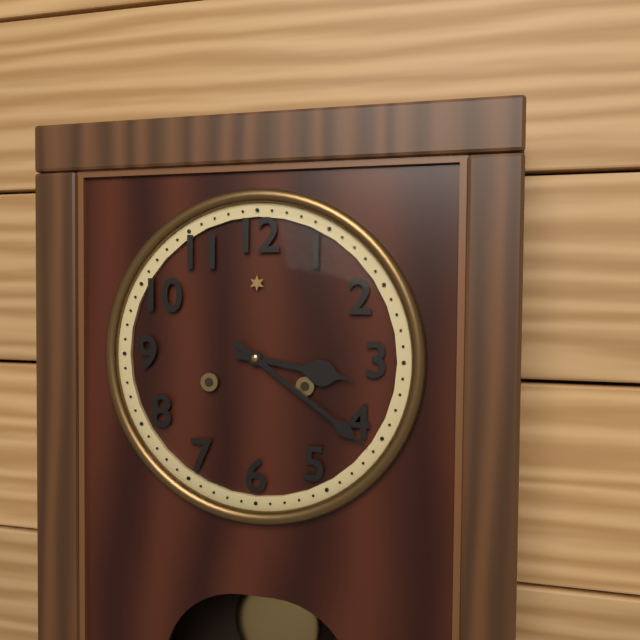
3:21
